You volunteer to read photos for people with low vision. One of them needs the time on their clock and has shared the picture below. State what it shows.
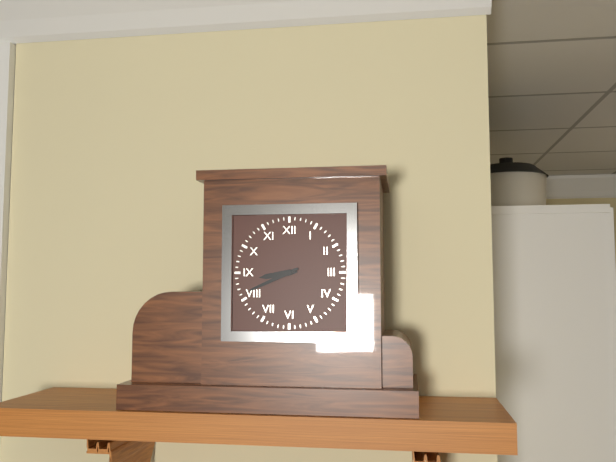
8:41
